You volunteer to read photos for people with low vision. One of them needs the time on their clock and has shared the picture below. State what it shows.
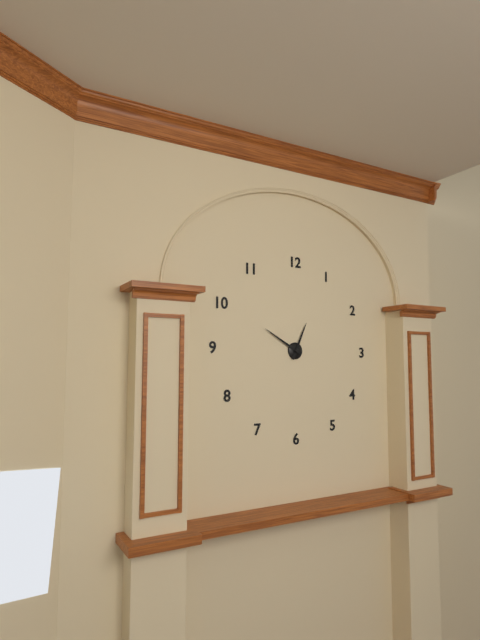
12:50
